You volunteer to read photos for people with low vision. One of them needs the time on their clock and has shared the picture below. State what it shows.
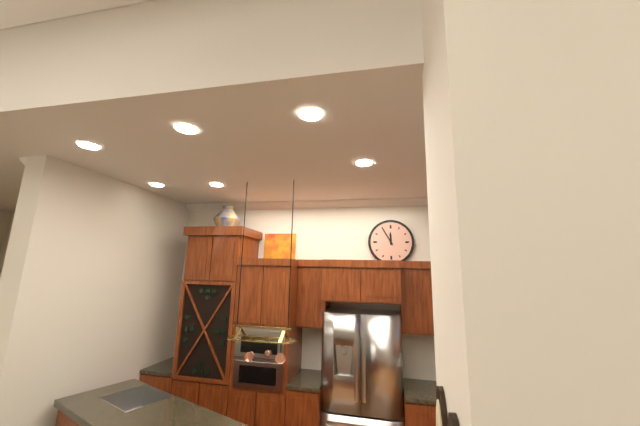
11:55
